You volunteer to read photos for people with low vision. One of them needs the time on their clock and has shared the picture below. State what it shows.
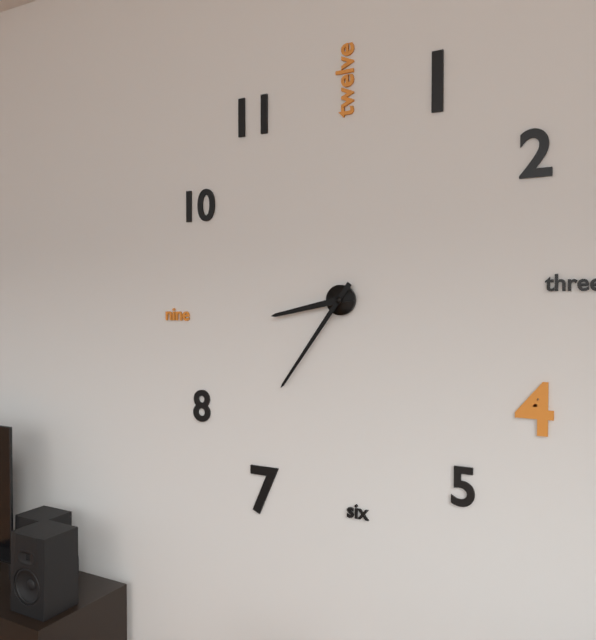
8:36
